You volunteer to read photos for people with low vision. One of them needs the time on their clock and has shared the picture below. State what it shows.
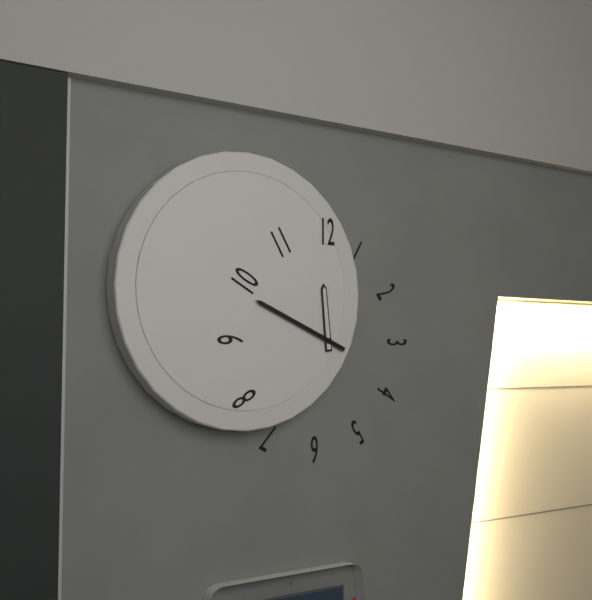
11:49
